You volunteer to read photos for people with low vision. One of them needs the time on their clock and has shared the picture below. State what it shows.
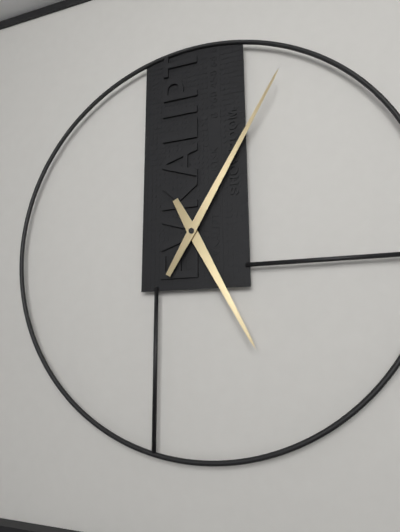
5:05
